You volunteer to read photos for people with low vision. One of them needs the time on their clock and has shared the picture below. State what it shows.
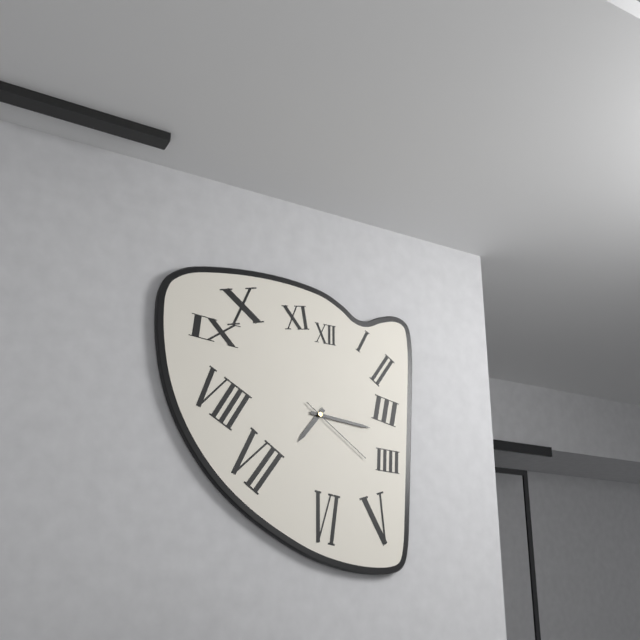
7:16:21
